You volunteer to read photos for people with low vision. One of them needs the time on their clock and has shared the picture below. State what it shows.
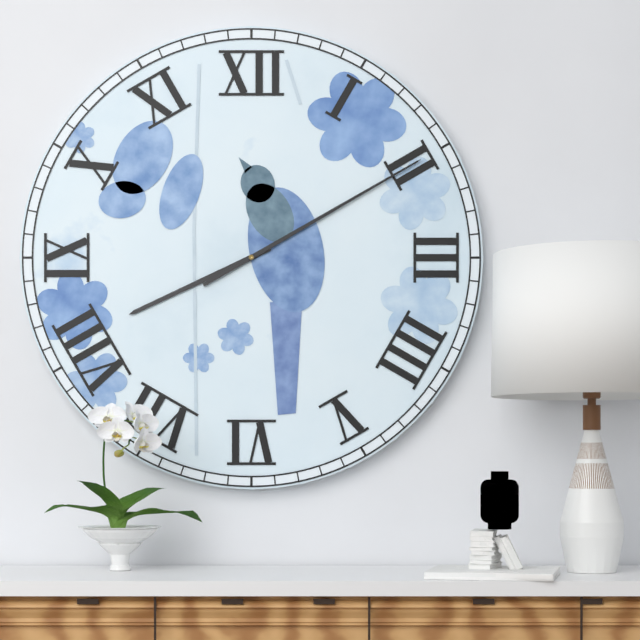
8:10
